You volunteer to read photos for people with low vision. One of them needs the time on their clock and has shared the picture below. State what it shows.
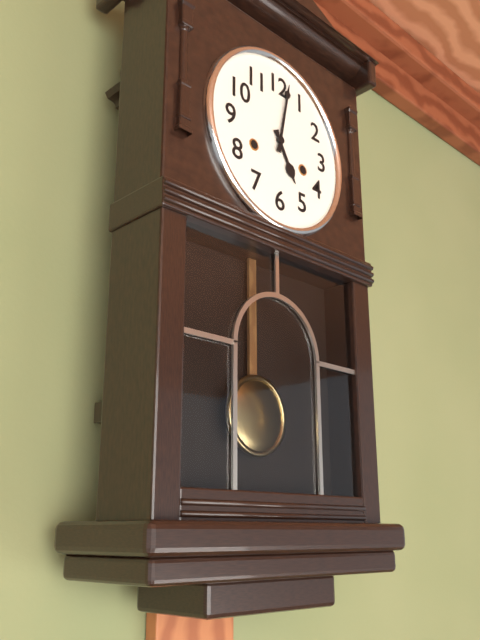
5:02
